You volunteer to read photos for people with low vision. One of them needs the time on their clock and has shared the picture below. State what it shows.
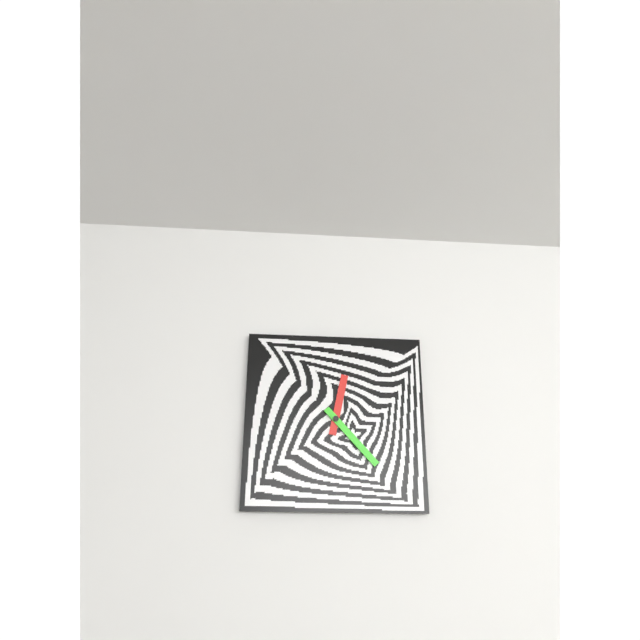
12:23
